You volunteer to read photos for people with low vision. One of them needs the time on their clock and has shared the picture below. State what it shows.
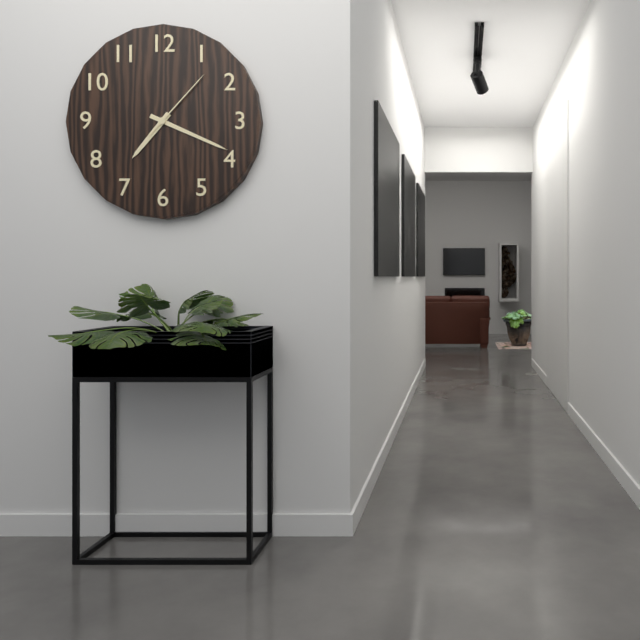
7:19:07
